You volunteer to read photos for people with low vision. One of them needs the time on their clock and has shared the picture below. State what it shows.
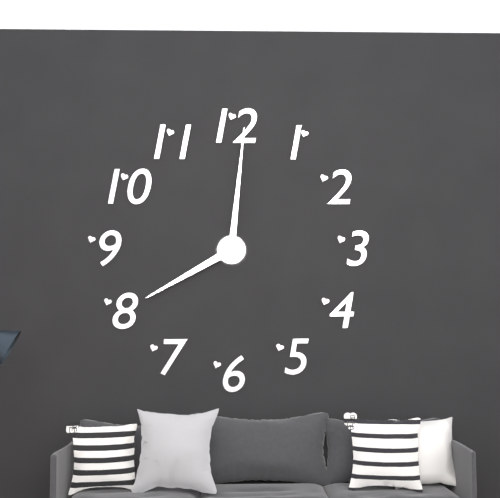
8:01
